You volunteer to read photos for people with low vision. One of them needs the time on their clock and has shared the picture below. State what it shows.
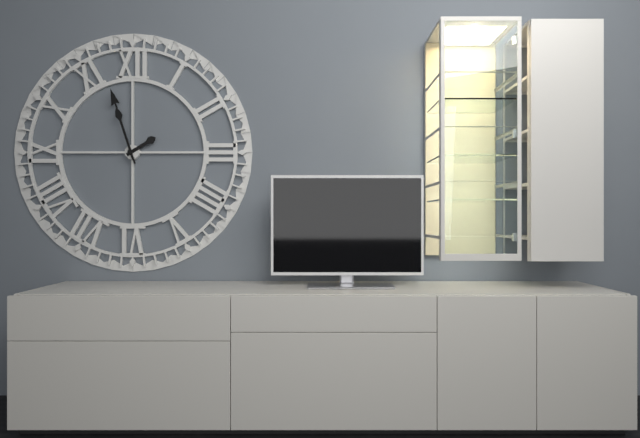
1:57:57
